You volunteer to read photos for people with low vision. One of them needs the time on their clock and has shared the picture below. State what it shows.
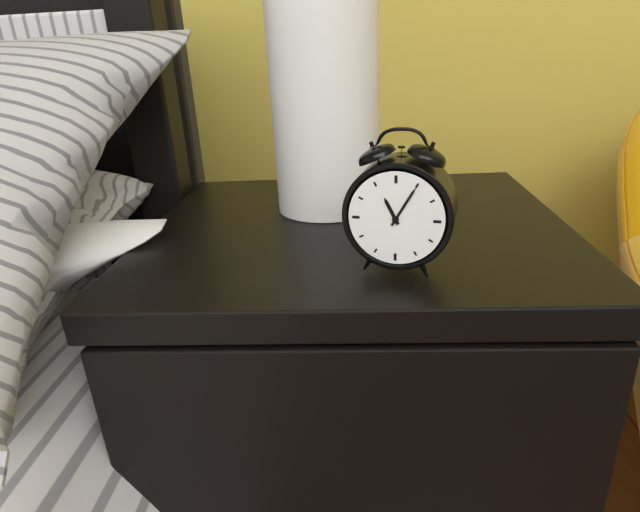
11:05
